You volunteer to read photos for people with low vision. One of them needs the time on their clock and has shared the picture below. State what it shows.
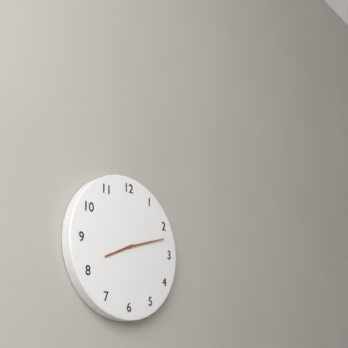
8:12
